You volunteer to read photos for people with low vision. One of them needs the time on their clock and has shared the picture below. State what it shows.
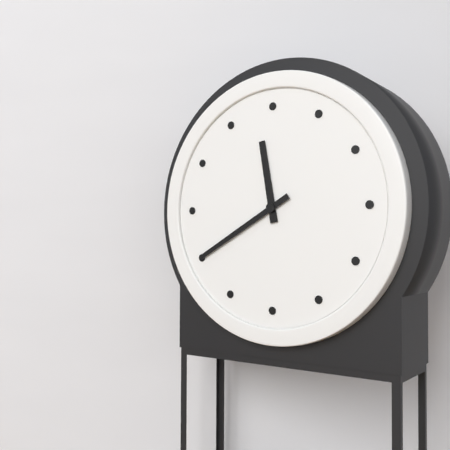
11:40
